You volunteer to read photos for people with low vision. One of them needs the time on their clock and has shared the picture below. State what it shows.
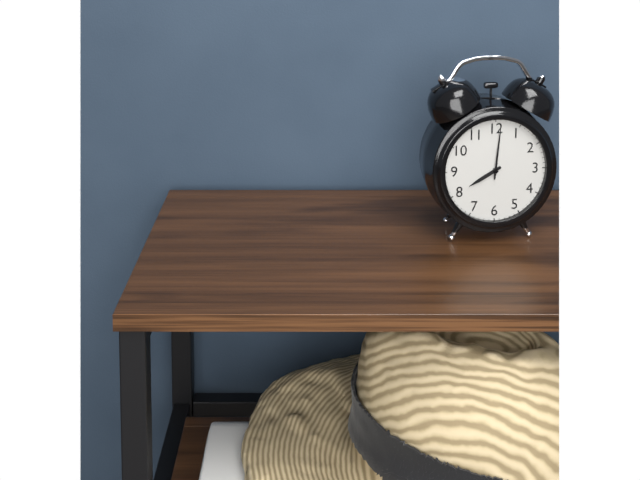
8:01
